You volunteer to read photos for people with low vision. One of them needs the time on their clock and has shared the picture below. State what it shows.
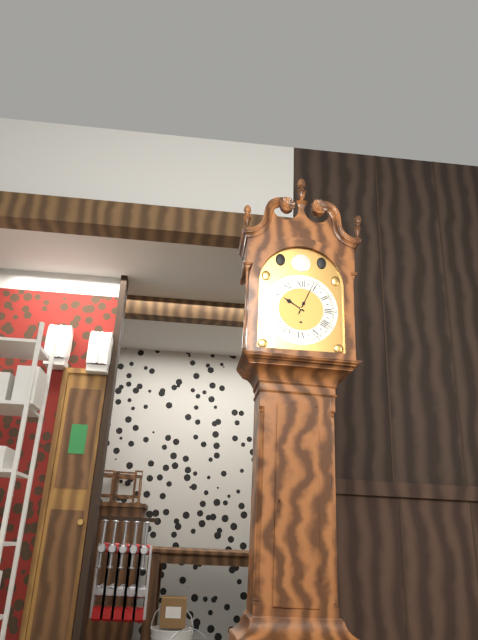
10:04
